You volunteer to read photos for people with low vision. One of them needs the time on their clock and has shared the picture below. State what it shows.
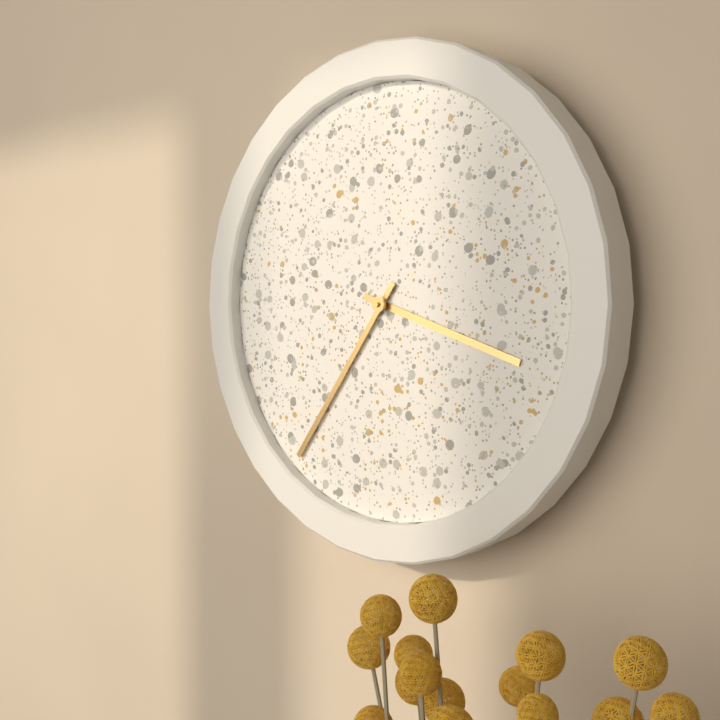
3:36
